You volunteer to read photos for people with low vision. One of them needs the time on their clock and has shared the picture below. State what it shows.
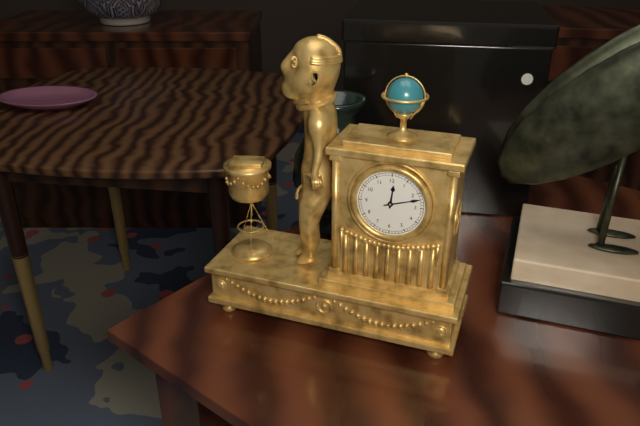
12:12
